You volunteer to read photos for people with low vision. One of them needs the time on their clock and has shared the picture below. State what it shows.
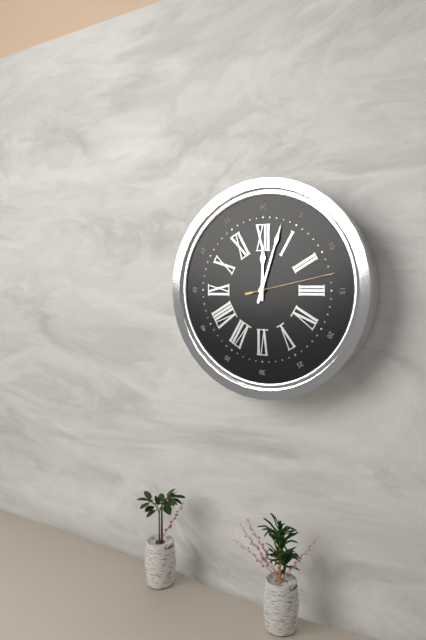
12:03:13
